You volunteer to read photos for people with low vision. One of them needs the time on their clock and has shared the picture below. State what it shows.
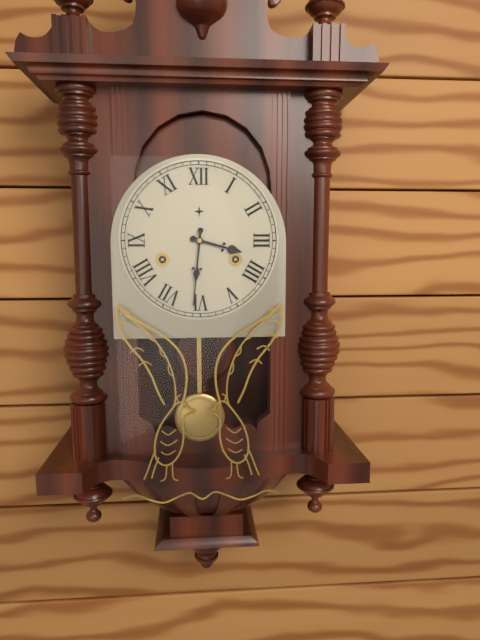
3:31
